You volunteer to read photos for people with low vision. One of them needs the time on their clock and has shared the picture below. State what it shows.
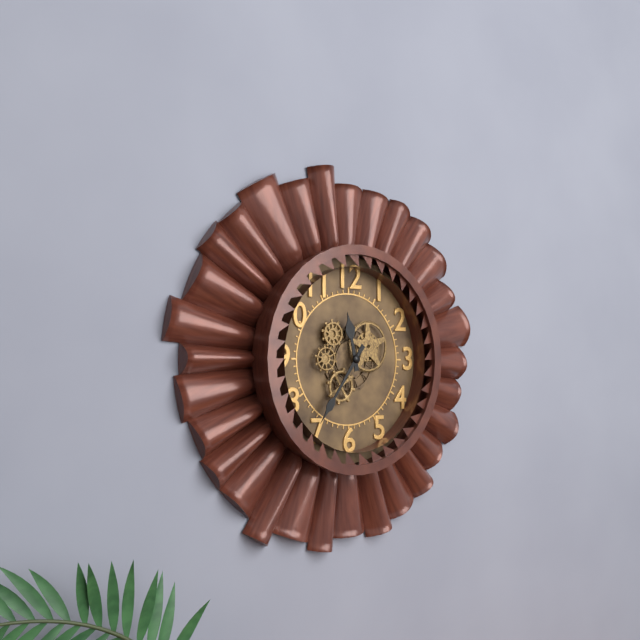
11:36
